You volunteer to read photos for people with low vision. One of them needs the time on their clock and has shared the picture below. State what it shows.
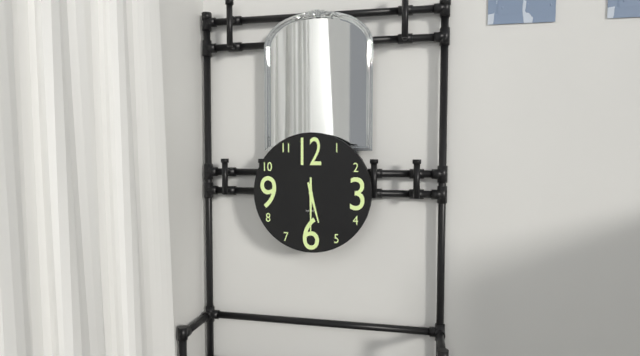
5:30
